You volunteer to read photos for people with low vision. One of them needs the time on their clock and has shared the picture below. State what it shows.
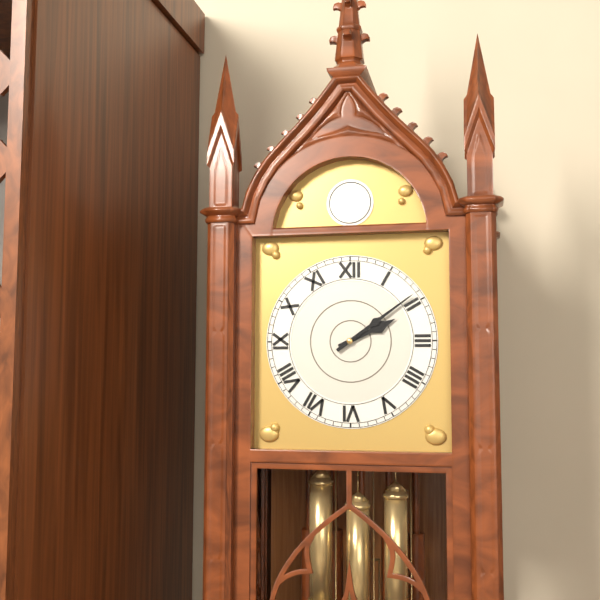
2:09
